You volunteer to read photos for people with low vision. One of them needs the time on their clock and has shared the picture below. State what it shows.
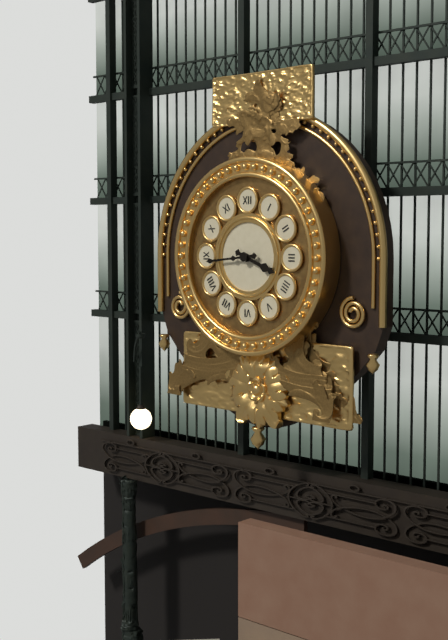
3:44
